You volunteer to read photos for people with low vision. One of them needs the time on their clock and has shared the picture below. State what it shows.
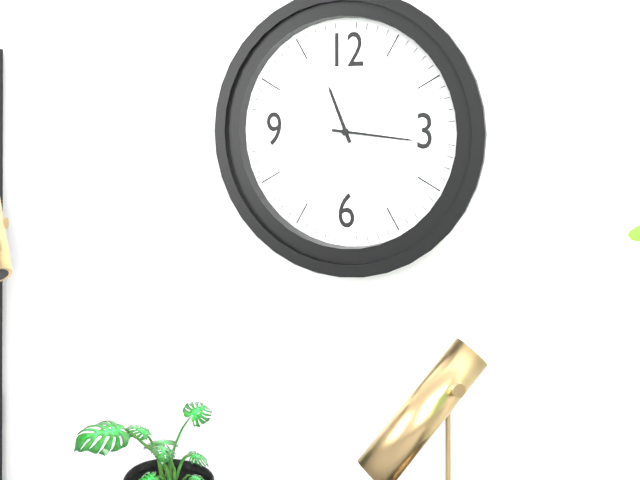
11:16
